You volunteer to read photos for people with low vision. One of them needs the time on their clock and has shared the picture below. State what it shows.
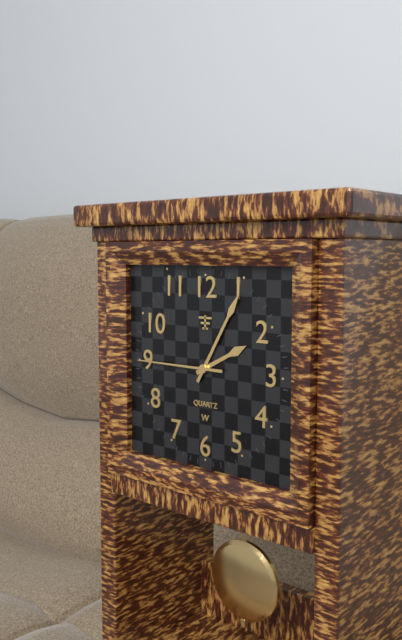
2:05:45
